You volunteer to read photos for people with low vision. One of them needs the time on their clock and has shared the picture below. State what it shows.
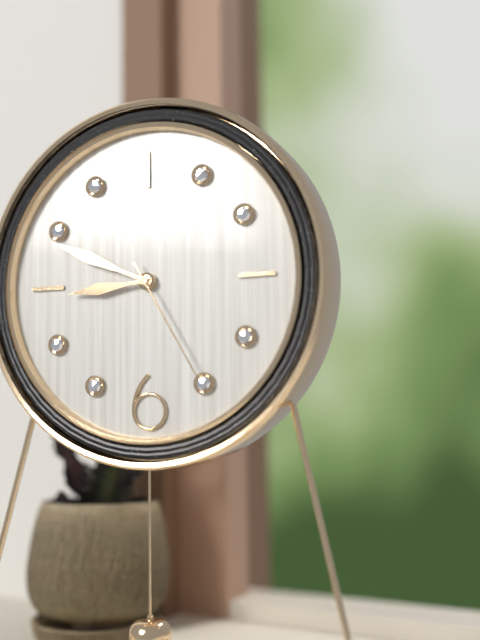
8:49:25
